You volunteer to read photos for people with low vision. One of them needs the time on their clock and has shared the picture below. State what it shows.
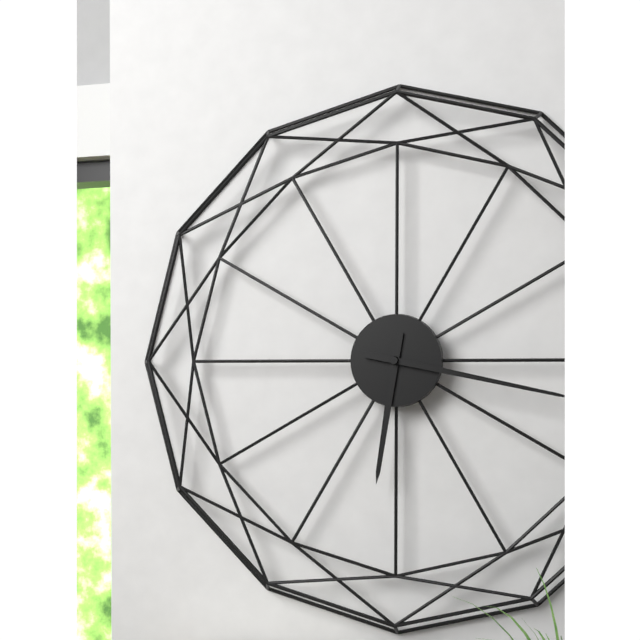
6:17
